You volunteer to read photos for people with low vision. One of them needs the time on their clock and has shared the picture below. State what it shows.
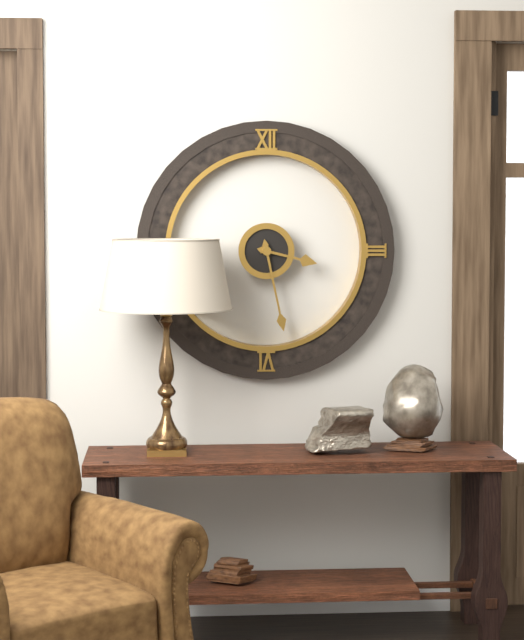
3:28
